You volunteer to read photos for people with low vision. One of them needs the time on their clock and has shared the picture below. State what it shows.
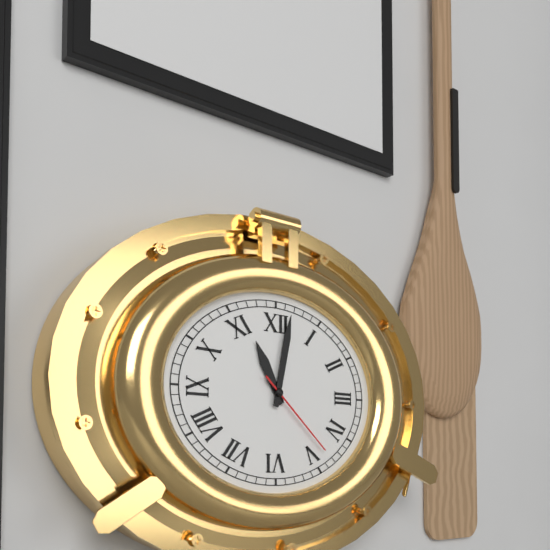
11:02:22
